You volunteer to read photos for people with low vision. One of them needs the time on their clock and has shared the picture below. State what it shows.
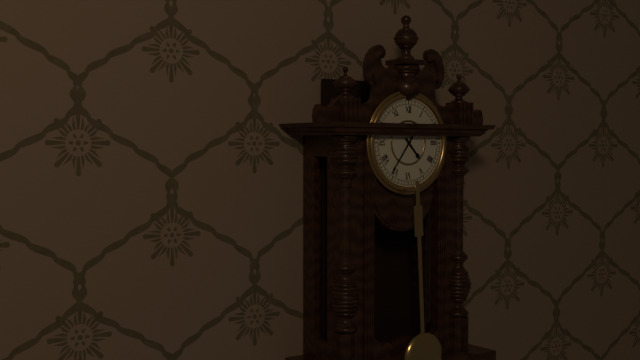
4:36
